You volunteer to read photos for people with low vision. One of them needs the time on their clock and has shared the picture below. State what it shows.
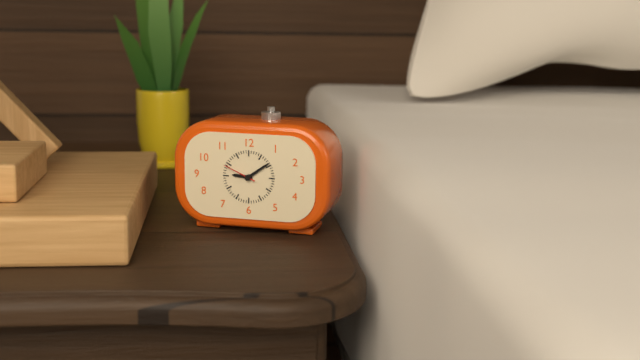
9:09
